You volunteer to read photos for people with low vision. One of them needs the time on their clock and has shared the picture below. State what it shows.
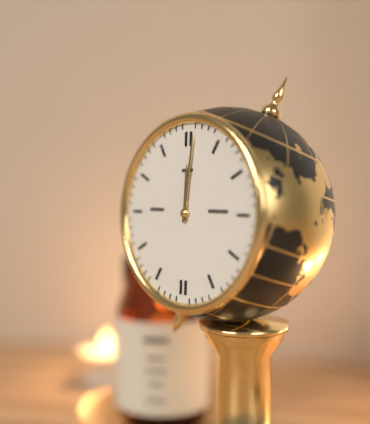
12:01
